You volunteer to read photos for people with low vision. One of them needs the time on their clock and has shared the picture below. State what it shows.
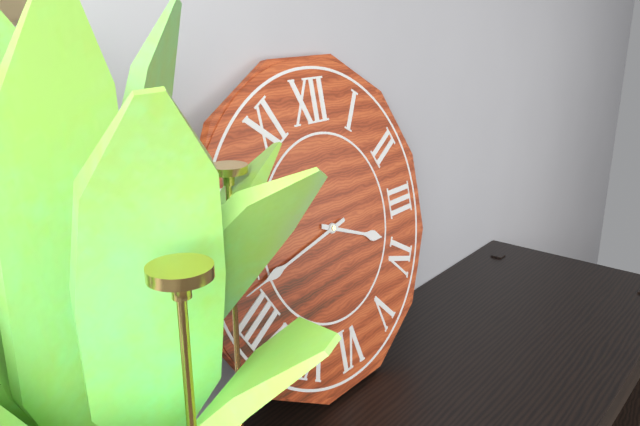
3:43
